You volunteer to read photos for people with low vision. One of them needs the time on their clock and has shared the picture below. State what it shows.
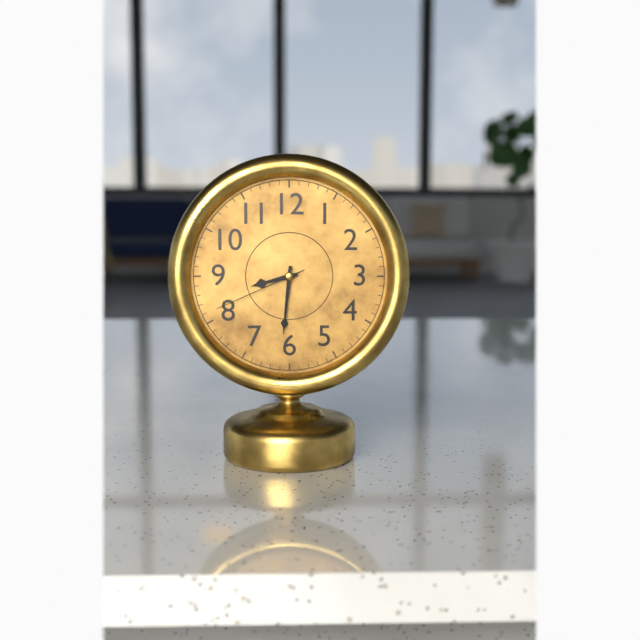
8:31:41
